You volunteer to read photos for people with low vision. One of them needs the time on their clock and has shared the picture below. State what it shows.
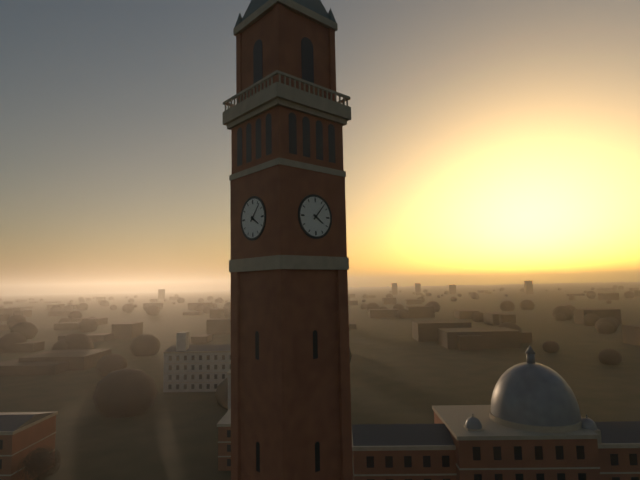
4:07
